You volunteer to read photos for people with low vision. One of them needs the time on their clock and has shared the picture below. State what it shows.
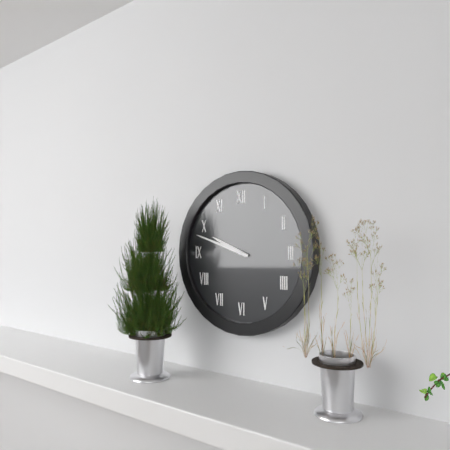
9:48
